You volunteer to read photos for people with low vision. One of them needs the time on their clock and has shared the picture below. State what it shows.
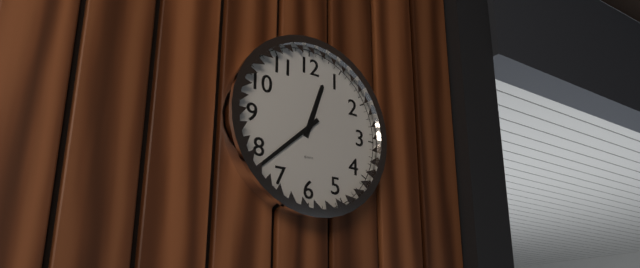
12:38
